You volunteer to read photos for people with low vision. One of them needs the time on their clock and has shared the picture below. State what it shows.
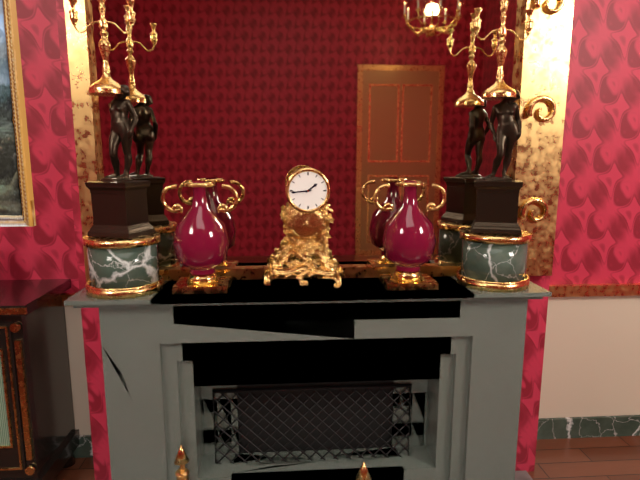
1:44
